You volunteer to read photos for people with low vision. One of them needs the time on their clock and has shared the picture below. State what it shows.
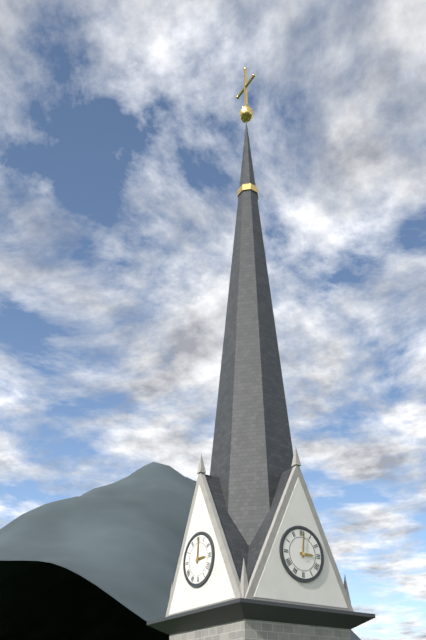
3:01
